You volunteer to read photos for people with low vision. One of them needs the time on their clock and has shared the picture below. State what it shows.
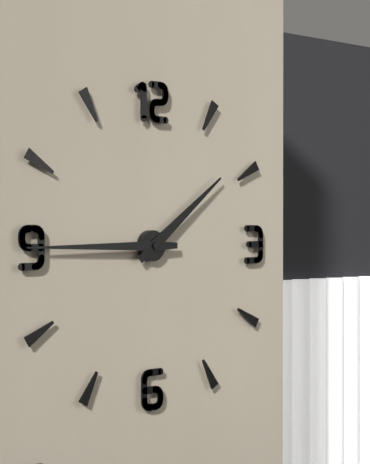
1:45
